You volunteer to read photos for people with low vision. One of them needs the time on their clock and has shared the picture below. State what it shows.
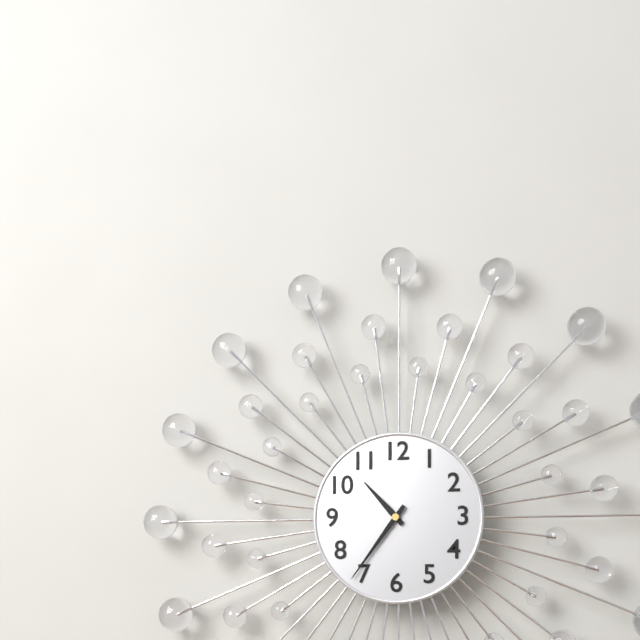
10:36
